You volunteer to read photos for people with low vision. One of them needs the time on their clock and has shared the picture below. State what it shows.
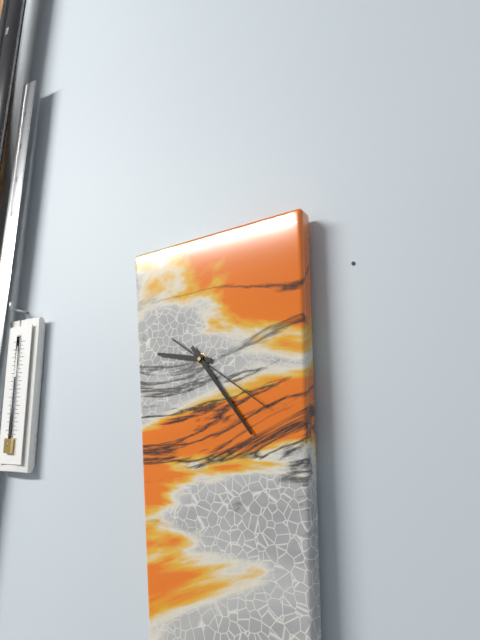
9:24:21
